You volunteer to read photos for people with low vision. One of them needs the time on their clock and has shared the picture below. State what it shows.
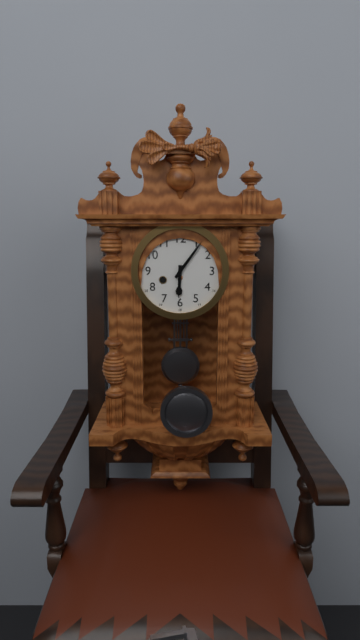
6:06
